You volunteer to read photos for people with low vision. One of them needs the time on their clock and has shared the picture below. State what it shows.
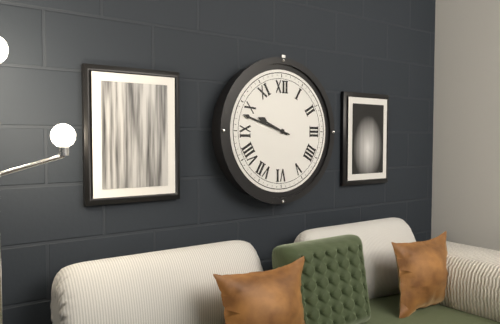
9:48
